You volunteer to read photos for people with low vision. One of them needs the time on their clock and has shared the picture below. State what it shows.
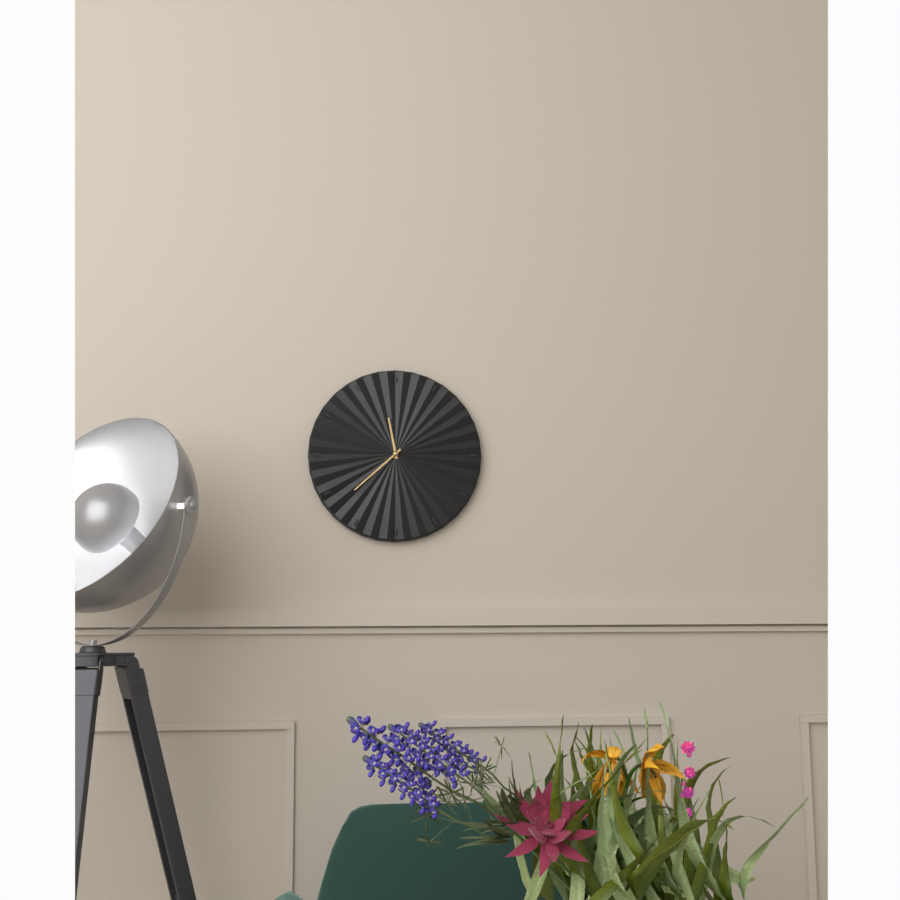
11:38
